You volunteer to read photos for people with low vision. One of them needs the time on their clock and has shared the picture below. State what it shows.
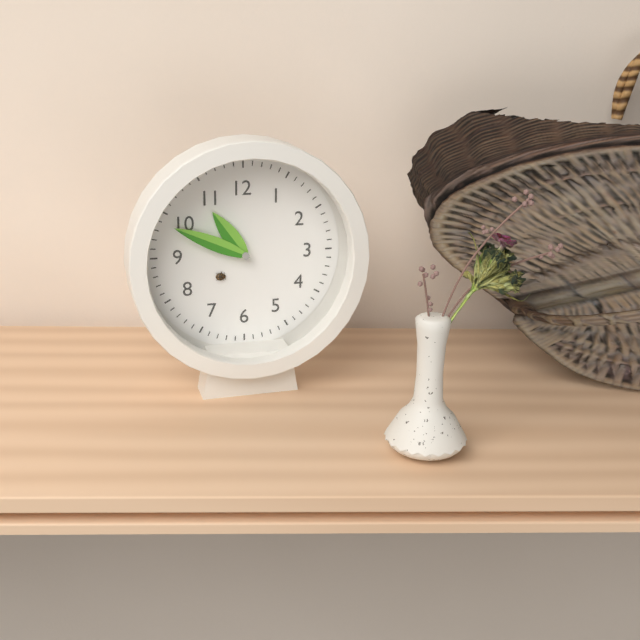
10:49
